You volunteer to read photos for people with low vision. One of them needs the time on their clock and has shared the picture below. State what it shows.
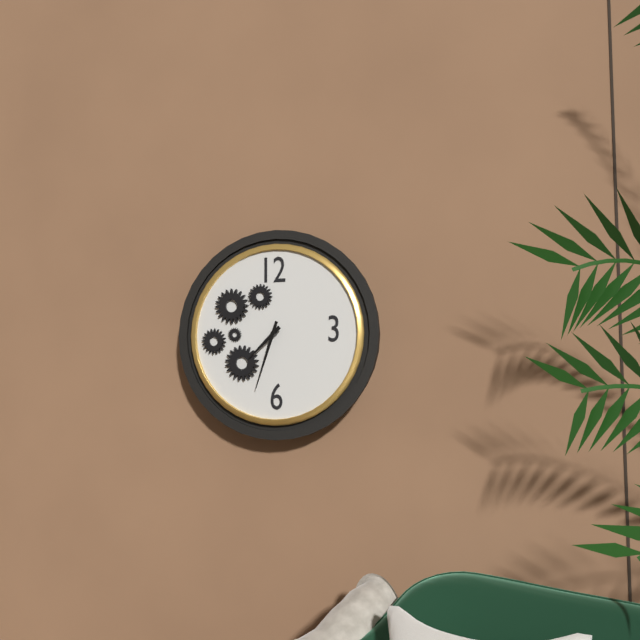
7:33
